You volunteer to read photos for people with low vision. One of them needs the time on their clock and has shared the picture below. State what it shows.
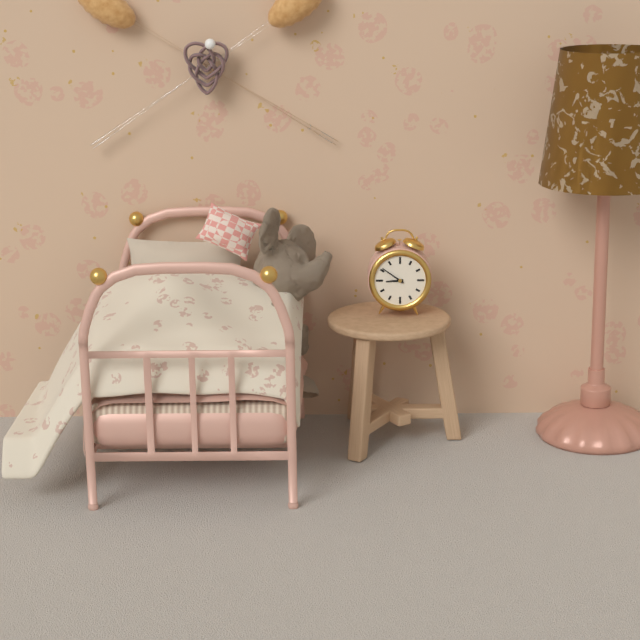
8:51
